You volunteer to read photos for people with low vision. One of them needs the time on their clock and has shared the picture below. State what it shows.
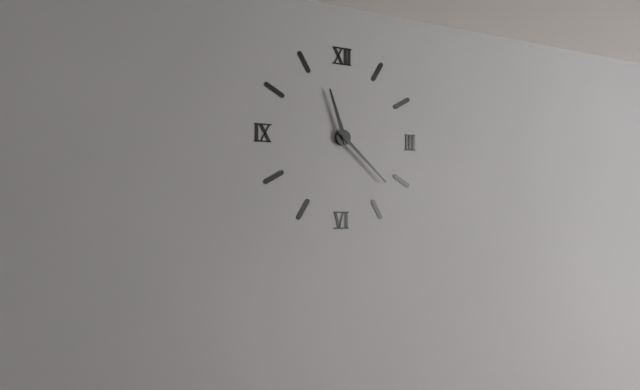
11:22
